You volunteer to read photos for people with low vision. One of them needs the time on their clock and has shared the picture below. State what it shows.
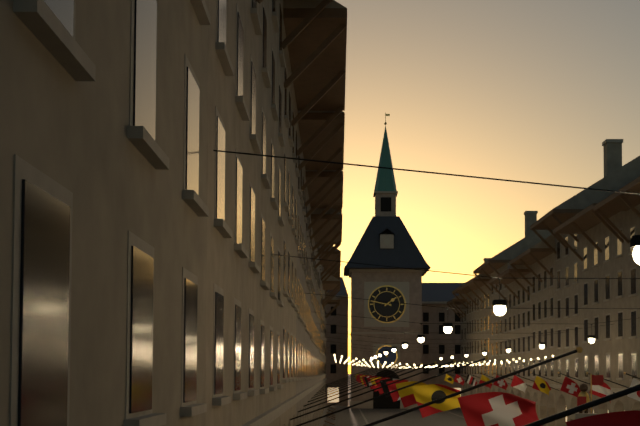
1:47
